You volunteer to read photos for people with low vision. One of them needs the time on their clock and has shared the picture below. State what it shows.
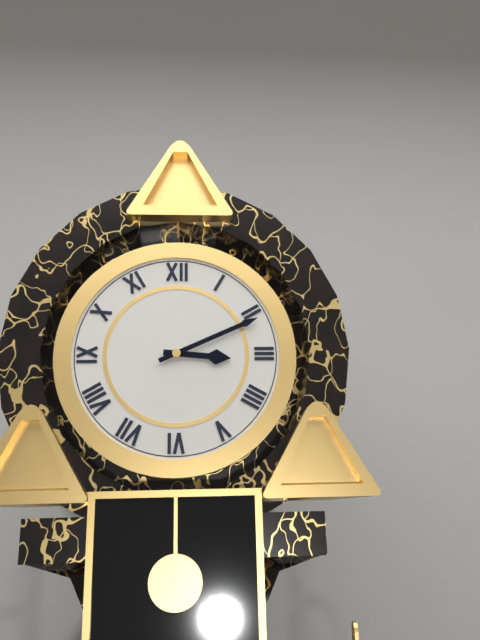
3:11
